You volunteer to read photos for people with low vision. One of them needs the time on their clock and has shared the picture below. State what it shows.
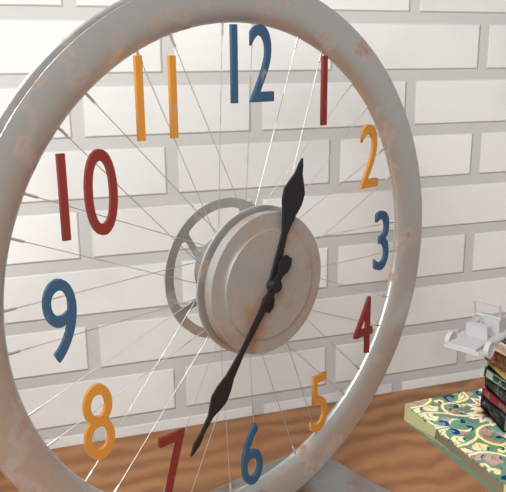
12:36
